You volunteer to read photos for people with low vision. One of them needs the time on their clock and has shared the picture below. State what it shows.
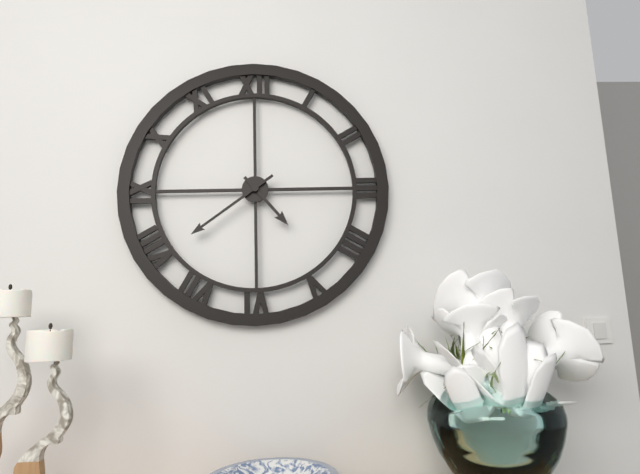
4:39
